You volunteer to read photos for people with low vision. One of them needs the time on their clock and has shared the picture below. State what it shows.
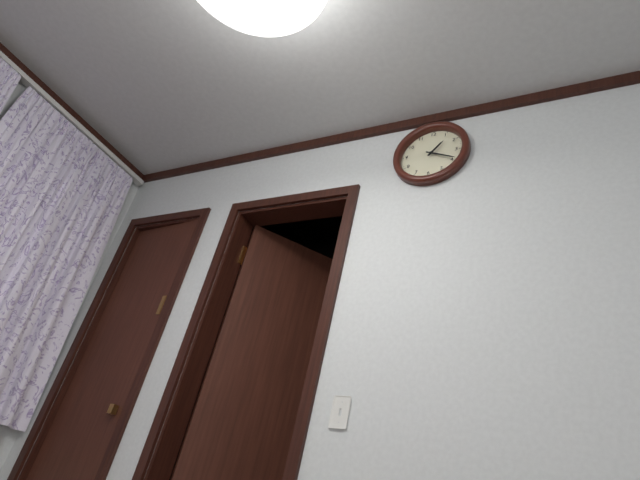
1:19
